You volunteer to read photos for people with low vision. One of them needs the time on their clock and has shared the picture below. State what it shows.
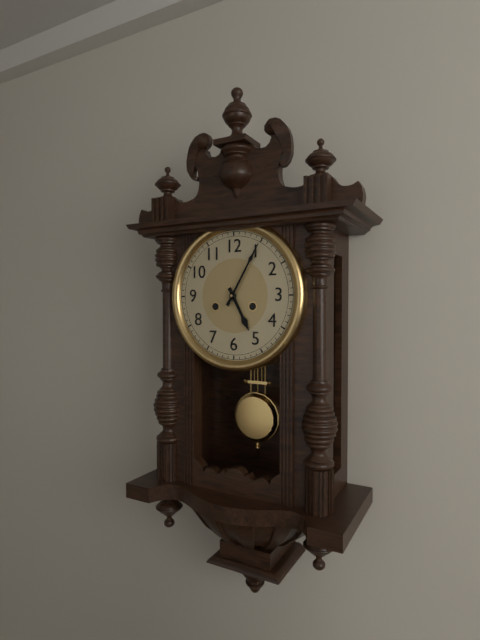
5:05
